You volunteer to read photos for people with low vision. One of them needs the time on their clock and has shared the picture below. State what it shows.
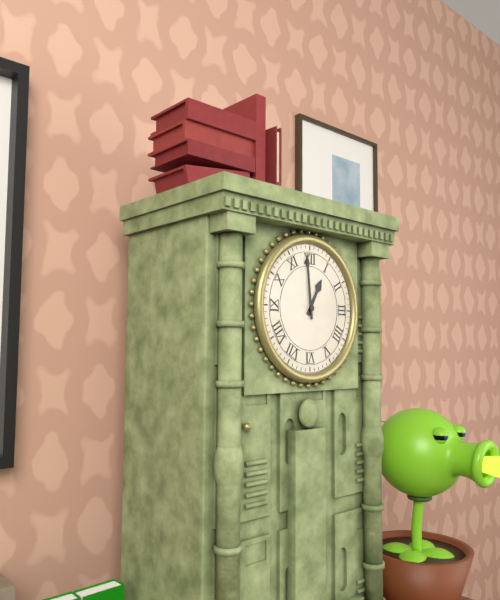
12:59
